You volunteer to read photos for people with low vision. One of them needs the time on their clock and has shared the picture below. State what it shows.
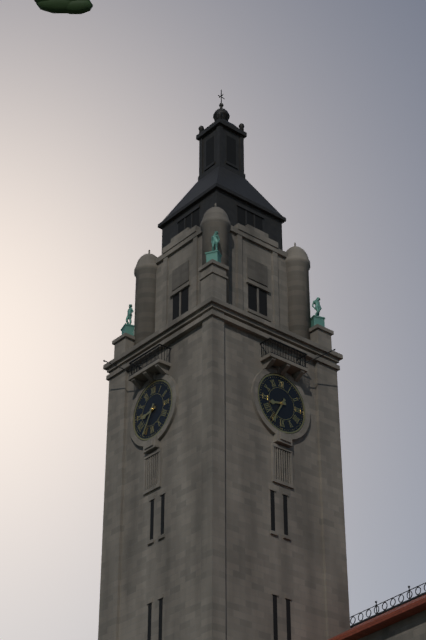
8:35
